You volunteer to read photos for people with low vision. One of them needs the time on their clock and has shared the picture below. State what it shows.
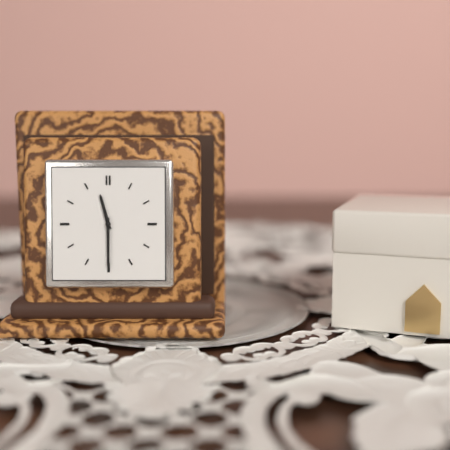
11:30
